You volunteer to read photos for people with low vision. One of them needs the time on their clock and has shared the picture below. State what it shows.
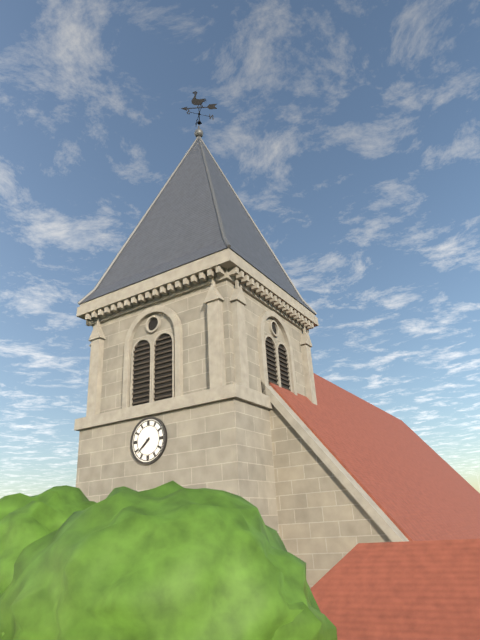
7:38
